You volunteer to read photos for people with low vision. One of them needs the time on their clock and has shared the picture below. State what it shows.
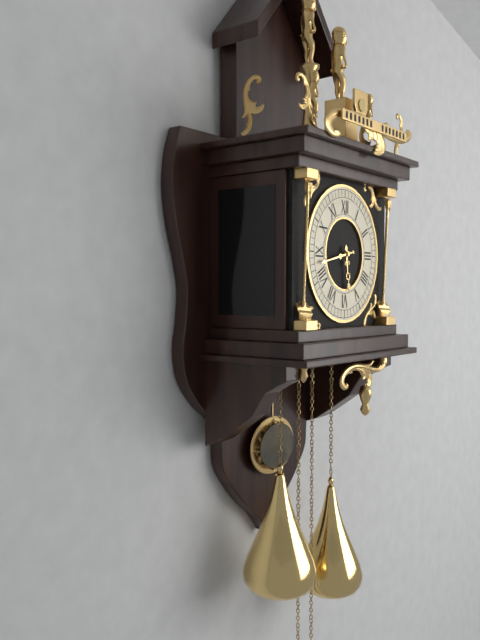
5:43
